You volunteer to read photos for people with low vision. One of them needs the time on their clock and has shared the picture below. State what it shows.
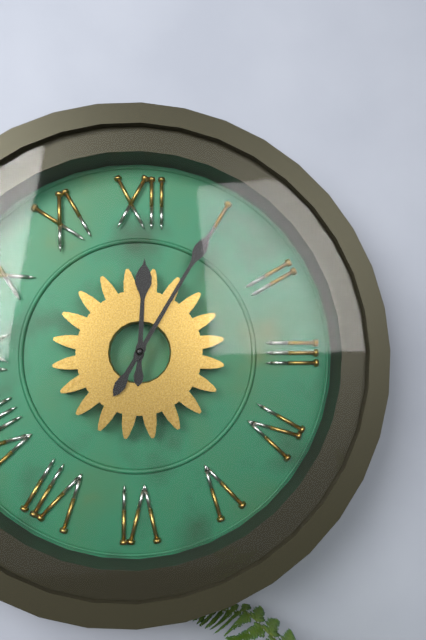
12:05
